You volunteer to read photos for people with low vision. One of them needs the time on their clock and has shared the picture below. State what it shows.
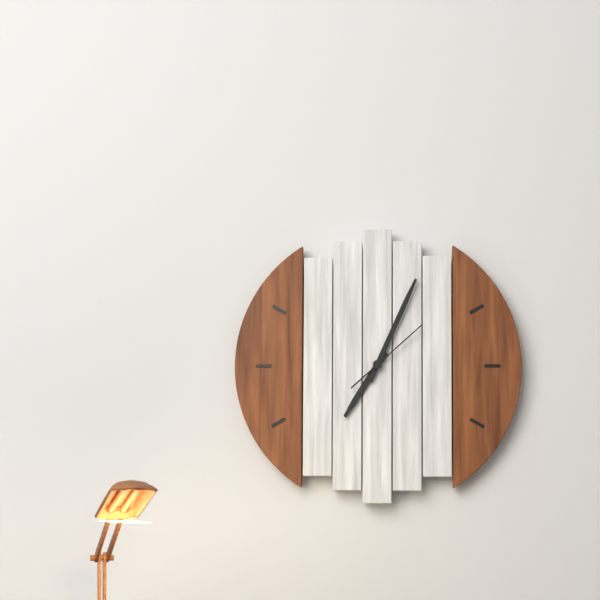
7:04:08
